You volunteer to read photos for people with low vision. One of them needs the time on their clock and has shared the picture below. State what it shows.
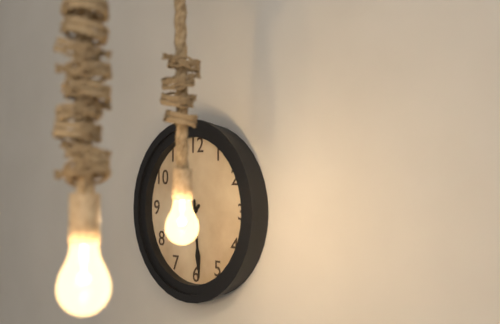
7:29
